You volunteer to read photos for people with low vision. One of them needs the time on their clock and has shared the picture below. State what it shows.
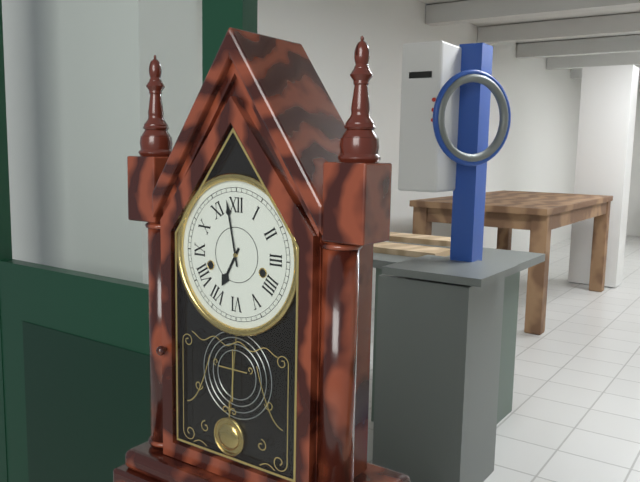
6:58
